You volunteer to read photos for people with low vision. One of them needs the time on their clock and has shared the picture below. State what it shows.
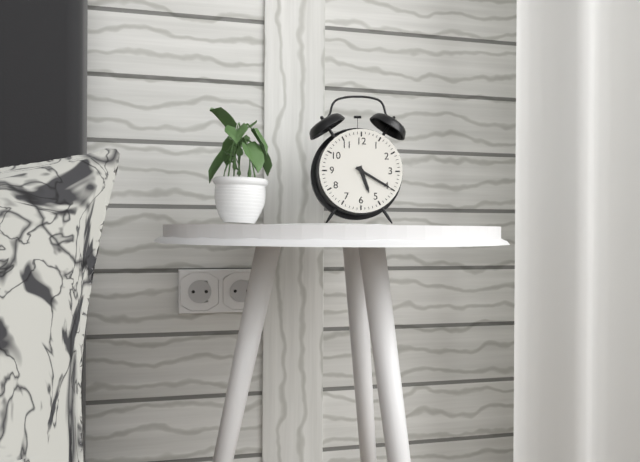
5:20
